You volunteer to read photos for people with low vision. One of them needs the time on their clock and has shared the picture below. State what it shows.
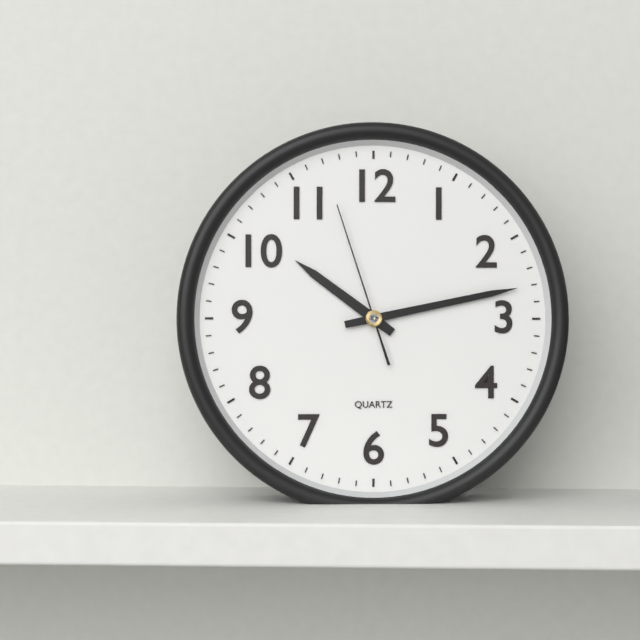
10:13:57
